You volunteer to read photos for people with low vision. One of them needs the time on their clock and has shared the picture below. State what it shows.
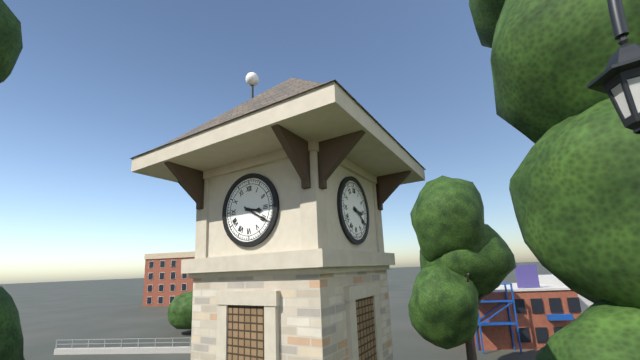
3:20
